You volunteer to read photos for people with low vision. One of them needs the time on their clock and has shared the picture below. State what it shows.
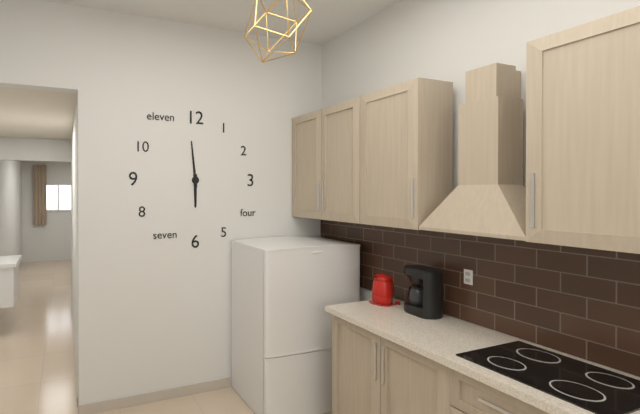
5:59
